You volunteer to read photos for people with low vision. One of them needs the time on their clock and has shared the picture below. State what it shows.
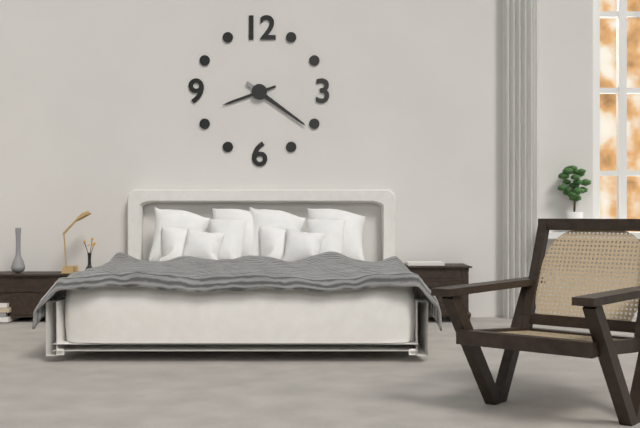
8:21
